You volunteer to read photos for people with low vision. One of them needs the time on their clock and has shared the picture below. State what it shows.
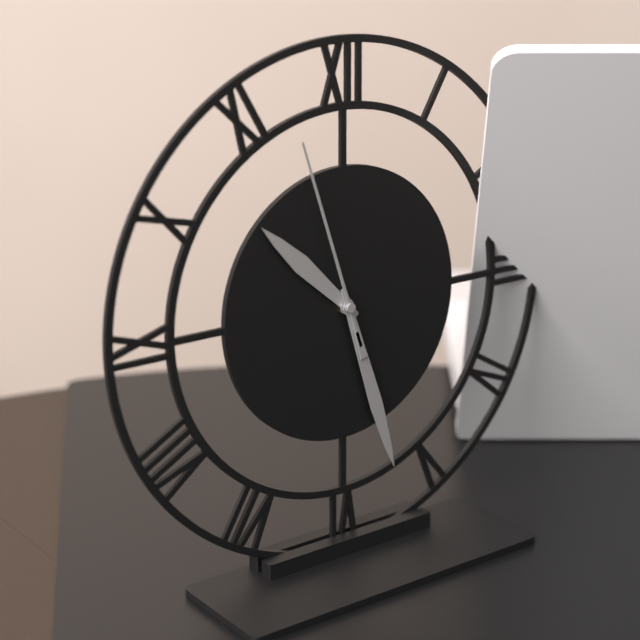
10:27:57
